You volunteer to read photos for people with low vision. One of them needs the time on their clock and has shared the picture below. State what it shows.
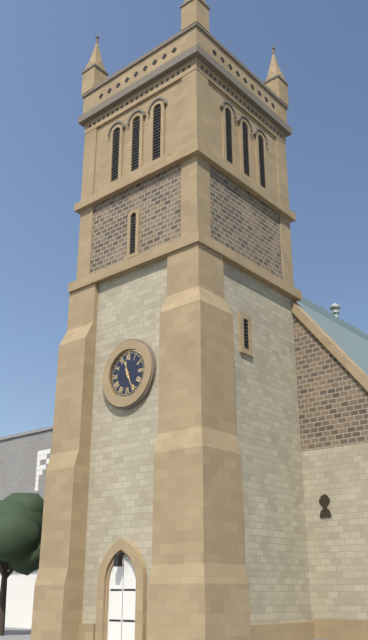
11:26
